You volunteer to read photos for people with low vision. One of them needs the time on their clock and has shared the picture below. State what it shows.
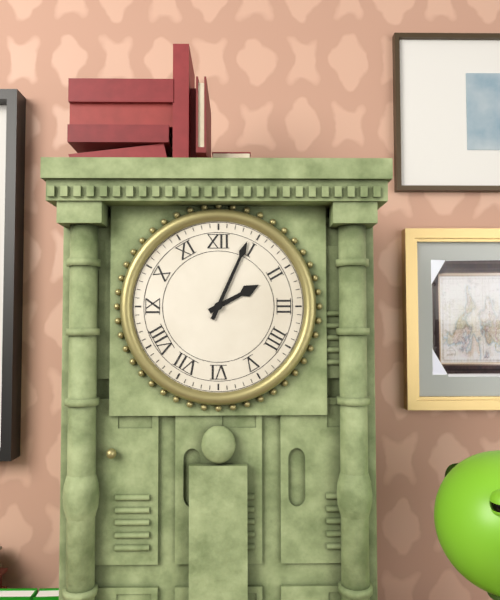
2:04
